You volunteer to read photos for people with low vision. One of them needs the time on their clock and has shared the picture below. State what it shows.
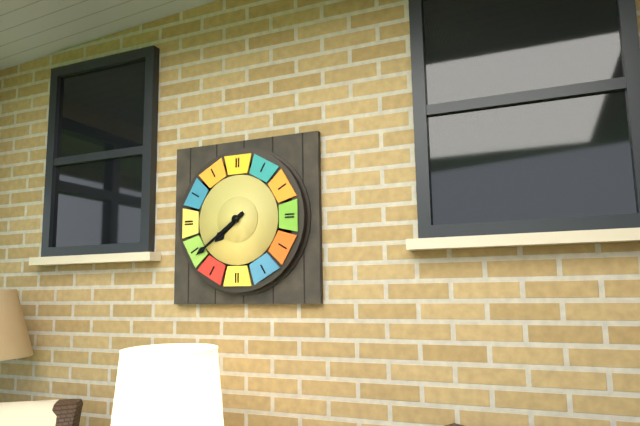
7:39
